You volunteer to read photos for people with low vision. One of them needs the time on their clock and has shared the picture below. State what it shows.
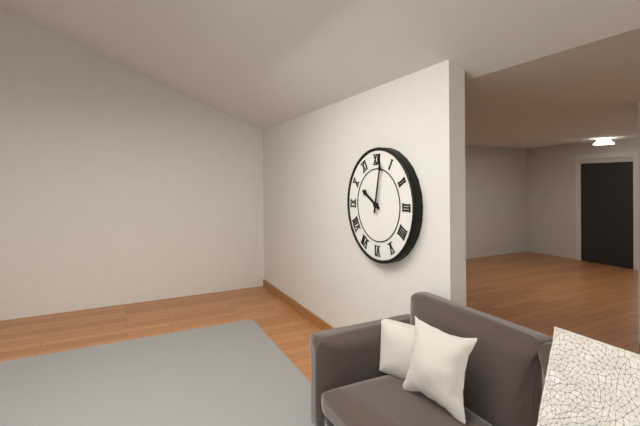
10:02
